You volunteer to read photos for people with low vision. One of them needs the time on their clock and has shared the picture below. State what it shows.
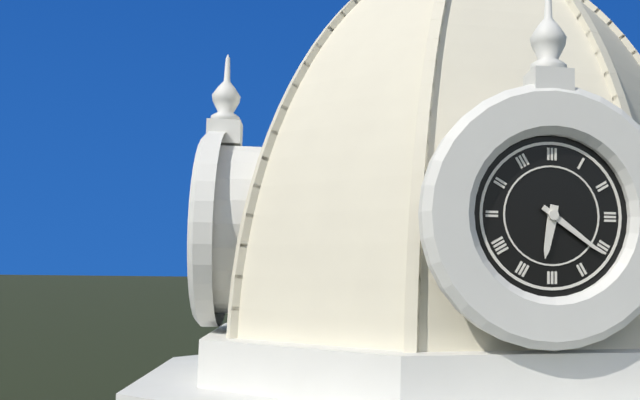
6:21
